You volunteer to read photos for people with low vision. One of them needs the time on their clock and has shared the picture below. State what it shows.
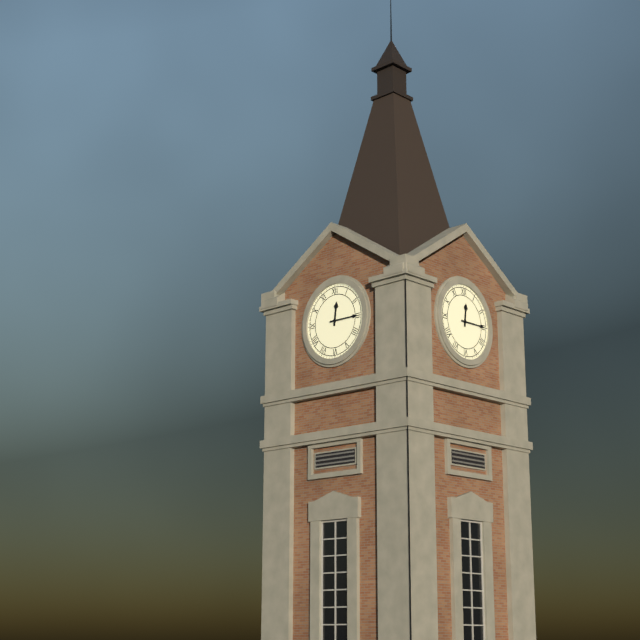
12:15
